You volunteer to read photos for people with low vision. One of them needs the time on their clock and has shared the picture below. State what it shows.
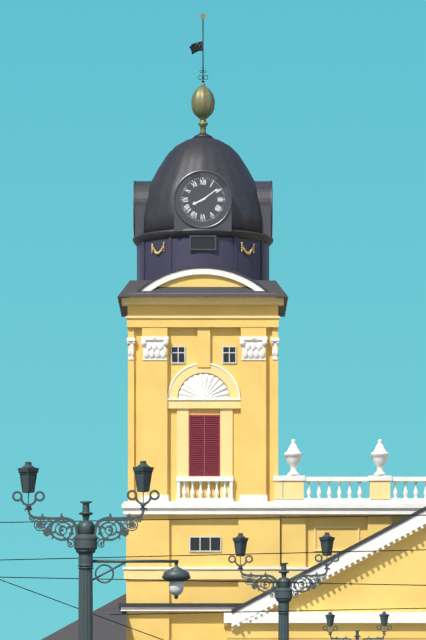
8:09
